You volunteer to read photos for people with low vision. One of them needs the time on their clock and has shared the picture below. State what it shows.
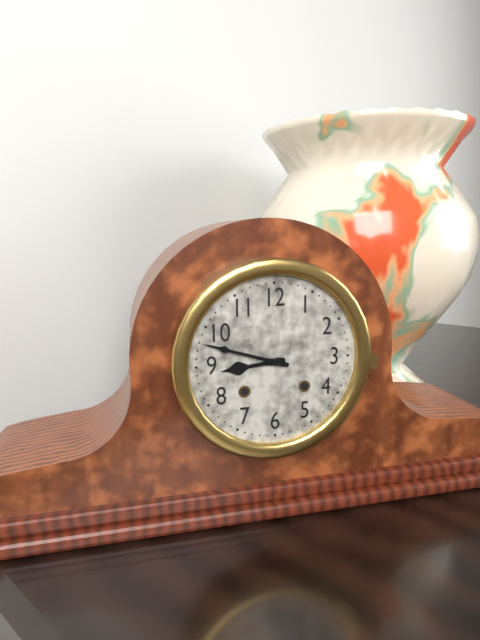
8:48
